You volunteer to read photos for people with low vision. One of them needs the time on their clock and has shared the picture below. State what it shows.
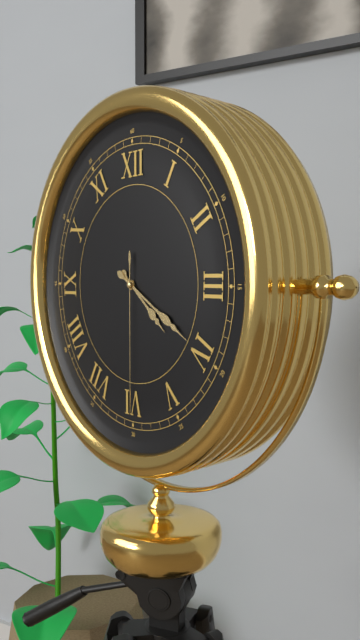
4:20:30
